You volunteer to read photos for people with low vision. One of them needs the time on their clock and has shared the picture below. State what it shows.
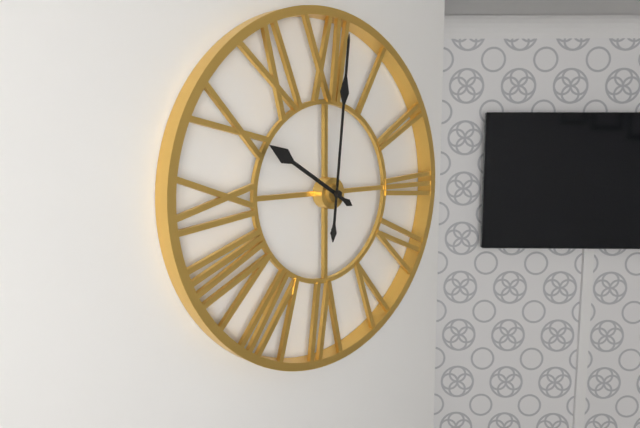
10:01
